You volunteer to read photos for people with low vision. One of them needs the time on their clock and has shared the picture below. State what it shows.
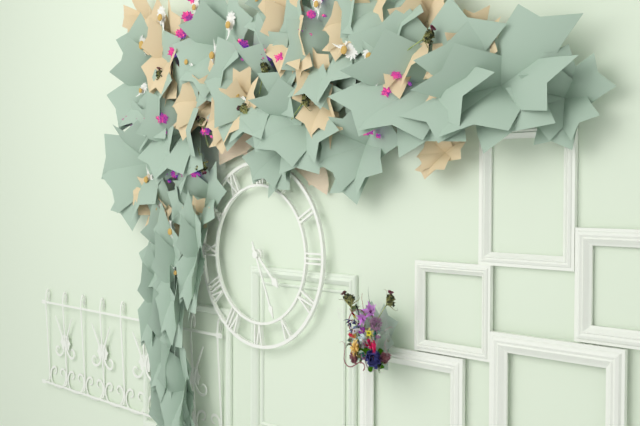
4:26
